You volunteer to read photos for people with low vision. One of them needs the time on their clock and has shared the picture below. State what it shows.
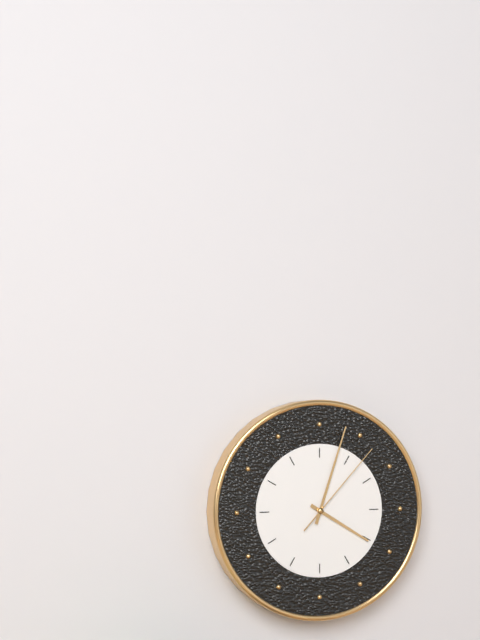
4:03:07
